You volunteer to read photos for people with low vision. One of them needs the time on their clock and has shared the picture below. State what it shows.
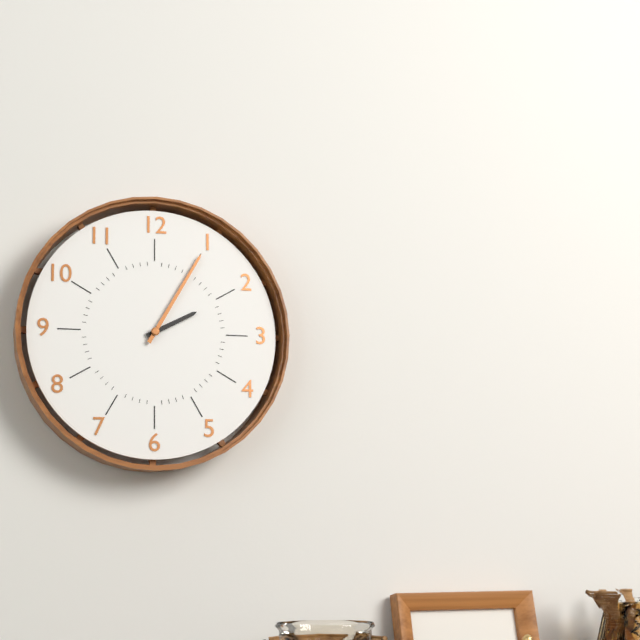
2:05
